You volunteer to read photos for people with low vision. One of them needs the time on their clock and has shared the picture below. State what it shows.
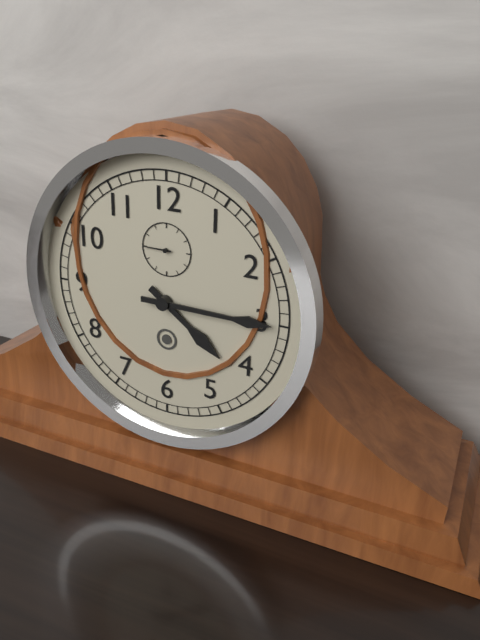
4:15
